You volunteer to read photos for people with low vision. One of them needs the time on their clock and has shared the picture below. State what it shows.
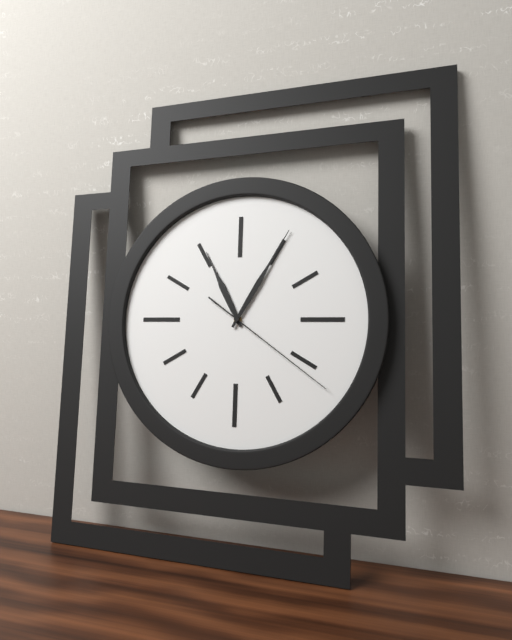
11:05:21
